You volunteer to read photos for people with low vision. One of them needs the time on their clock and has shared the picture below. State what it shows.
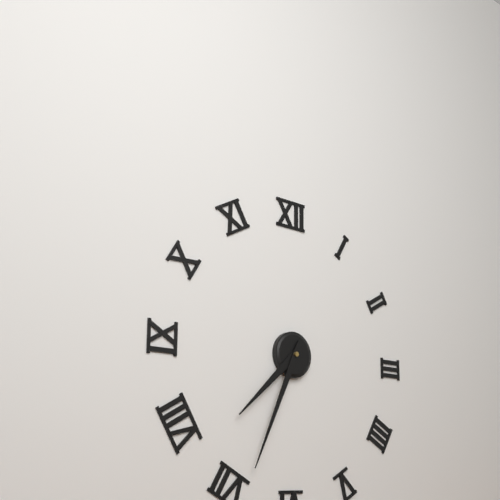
7:34
